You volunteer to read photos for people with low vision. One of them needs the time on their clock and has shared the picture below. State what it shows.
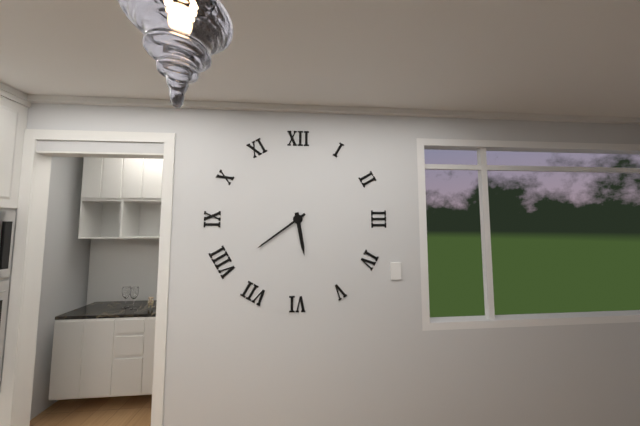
5:39
